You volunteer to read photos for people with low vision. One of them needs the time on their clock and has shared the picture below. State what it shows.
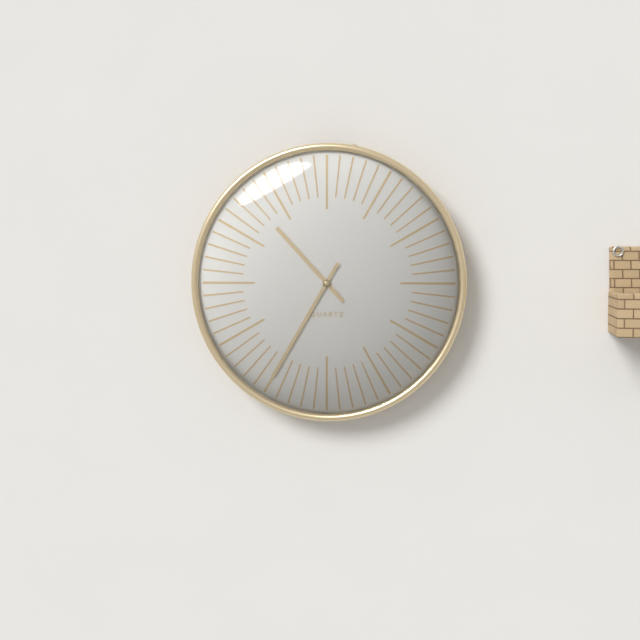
10:35
